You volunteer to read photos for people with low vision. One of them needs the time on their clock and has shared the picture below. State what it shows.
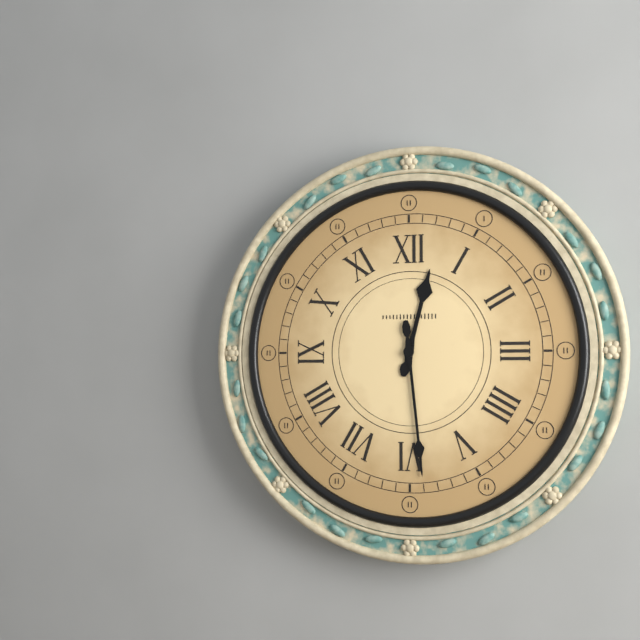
12:29
